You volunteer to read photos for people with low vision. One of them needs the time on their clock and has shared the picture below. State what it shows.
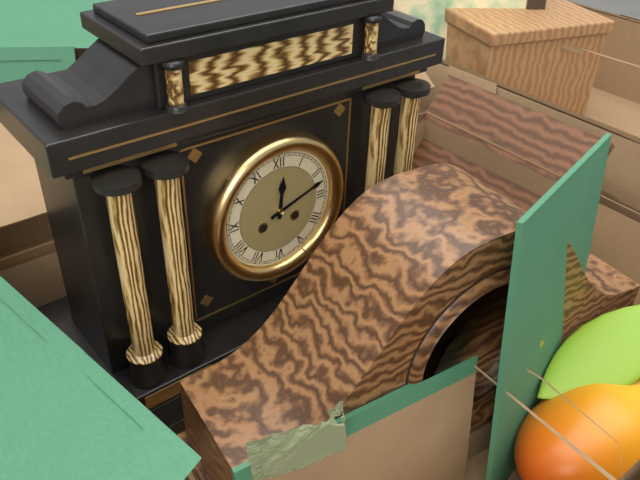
12:12
